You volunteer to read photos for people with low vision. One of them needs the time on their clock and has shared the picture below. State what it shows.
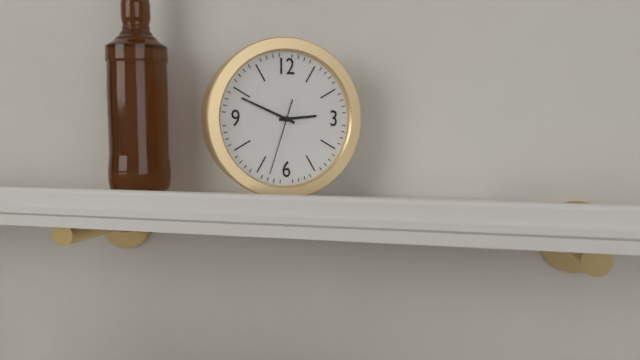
2:49:33
